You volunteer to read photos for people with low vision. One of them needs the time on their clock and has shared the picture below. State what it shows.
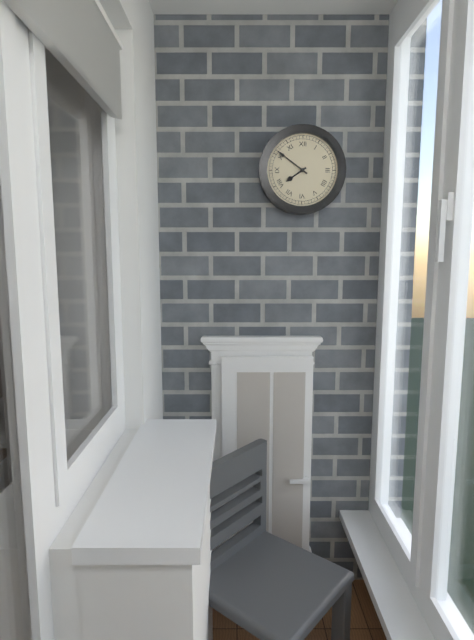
7:51
